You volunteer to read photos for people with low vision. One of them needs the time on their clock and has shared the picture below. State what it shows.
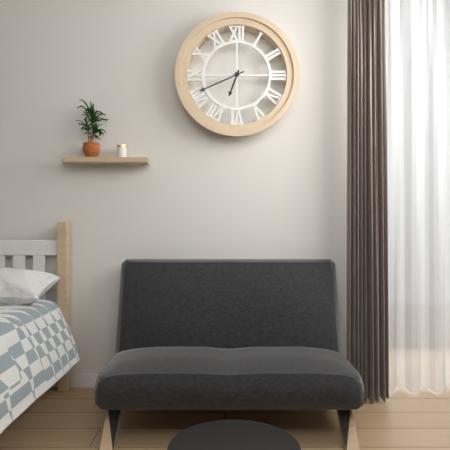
6:41
